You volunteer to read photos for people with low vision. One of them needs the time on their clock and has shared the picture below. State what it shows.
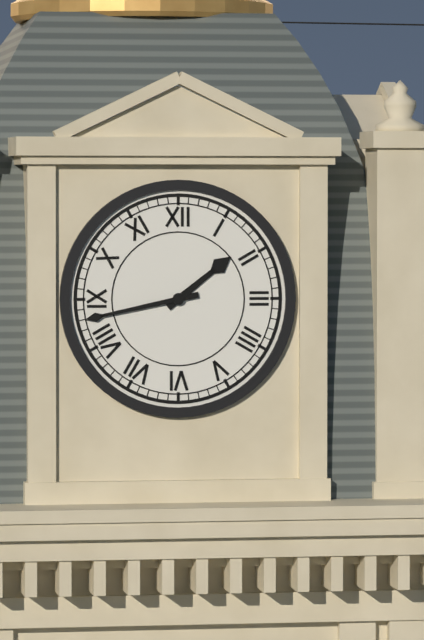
1:43
